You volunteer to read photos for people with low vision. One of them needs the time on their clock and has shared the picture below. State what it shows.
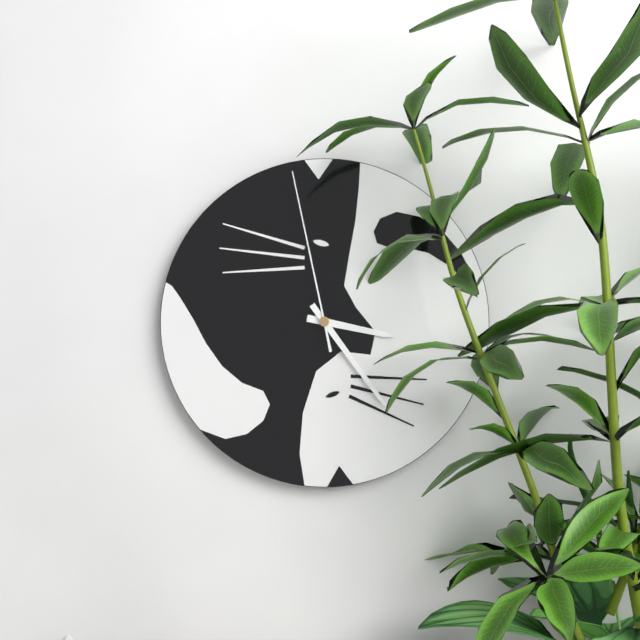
3:24:58
